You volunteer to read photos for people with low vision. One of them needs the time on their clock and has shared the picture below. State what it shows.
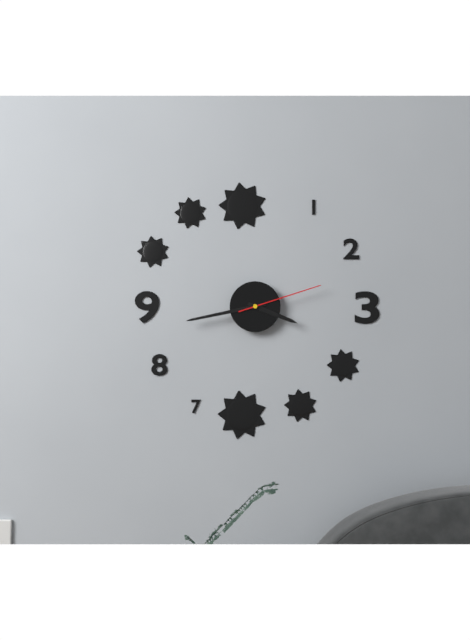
3:43:12
